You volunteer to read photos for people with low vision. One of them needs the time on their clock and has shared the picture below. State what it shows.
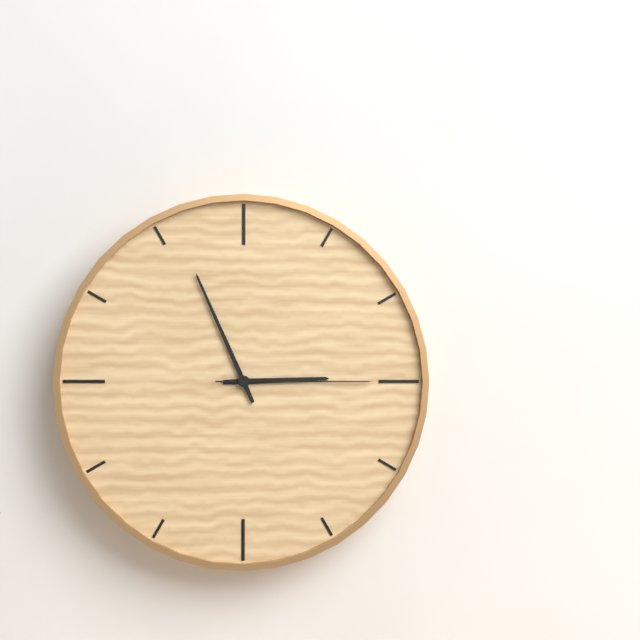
2:56:15
